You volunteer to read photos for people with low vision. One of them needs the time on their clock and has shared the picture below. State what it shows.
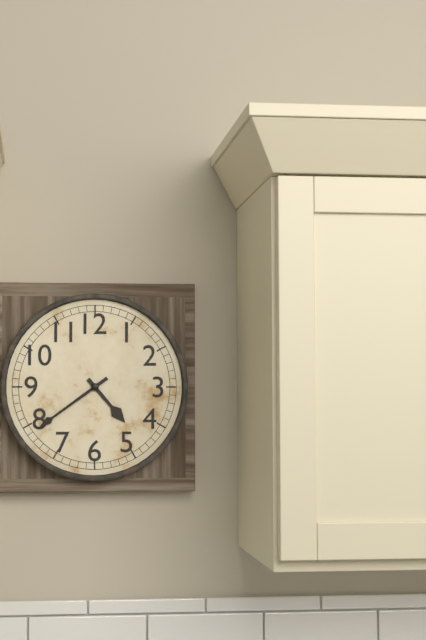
4:39
